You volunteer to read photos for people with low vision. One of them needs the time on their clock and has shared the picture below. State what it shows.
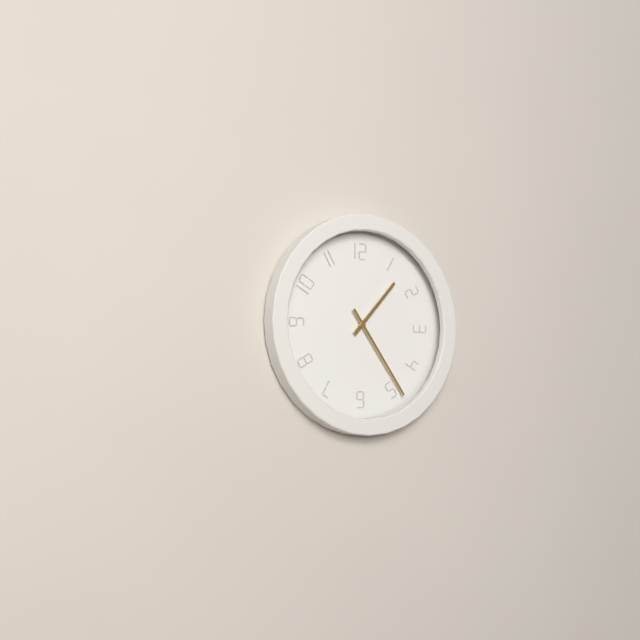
1:24
